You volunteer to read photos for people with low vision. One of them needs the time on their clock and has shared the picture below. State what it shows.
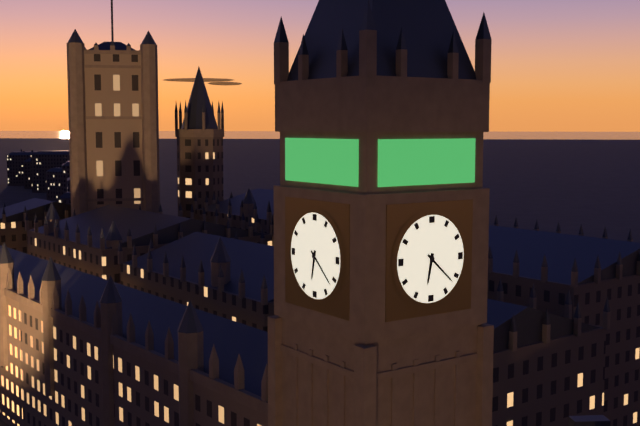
6:22
